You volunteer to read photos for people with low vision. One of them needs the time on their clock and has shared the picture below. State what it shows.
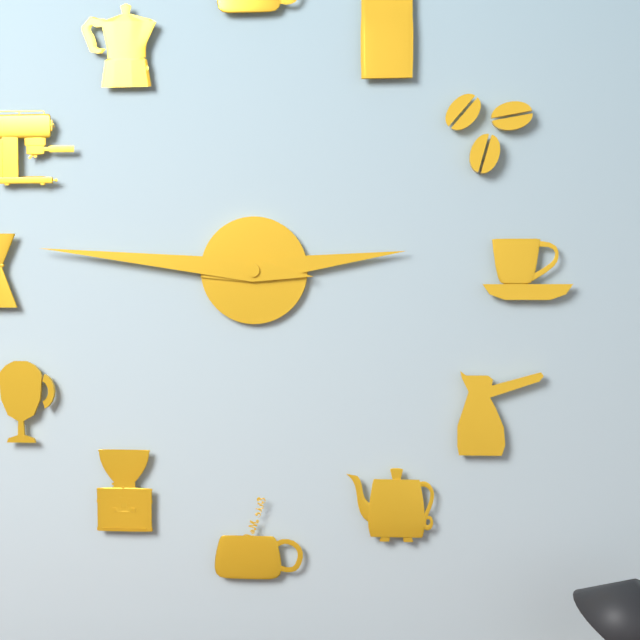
2:46
